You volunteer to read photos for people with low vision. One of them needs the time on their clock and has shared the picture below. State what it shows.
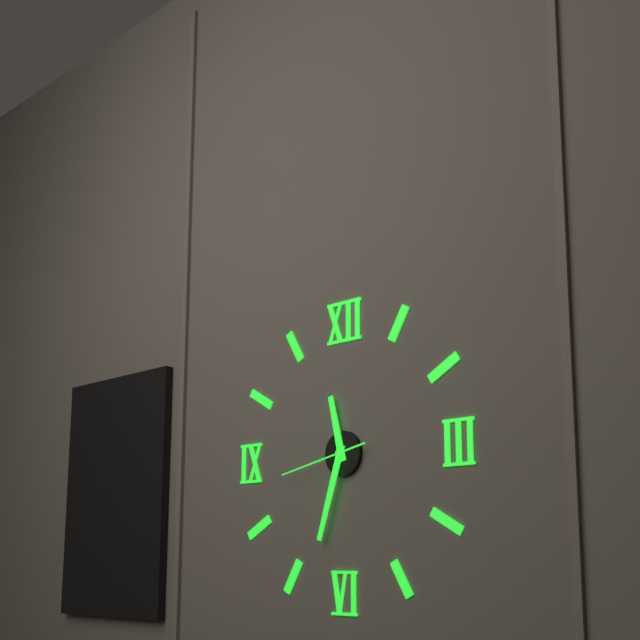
11:33:43
